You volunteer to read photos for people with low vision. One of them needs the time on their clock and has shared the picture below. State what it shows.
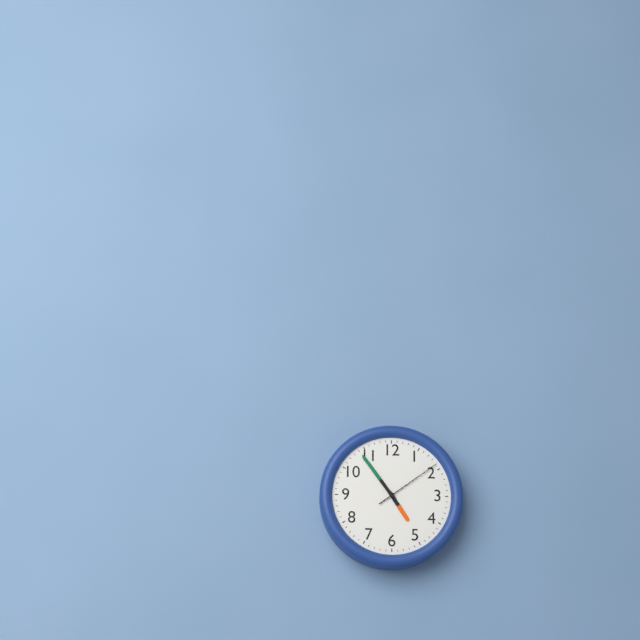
4:54:09
